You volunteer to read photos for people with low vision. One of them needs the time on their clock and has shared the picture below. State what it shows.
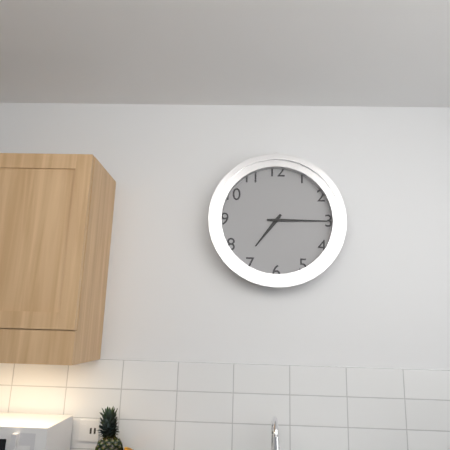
7:15
